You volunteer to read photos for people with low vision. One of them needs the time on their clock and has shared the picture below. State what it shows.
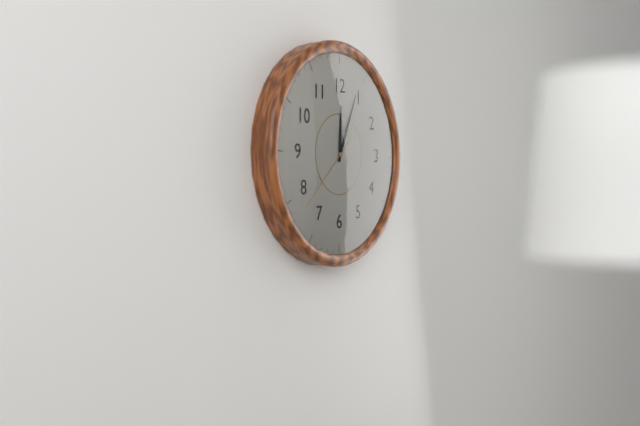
12:04:38
